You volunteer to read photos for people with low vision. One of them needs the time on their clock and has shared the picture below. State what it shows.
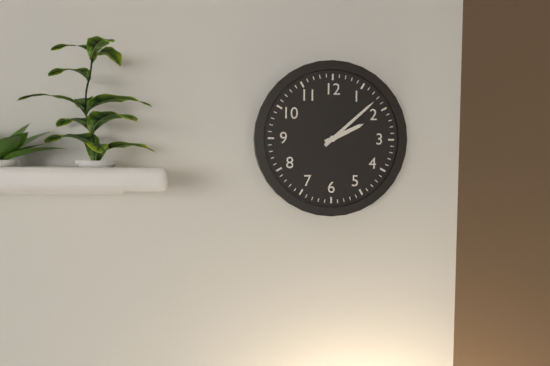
2:08
